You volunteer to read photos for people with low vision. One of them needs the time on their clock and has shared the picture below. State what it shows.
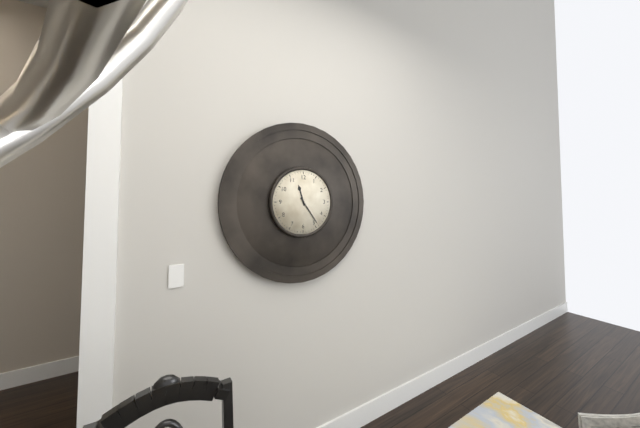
11:24
